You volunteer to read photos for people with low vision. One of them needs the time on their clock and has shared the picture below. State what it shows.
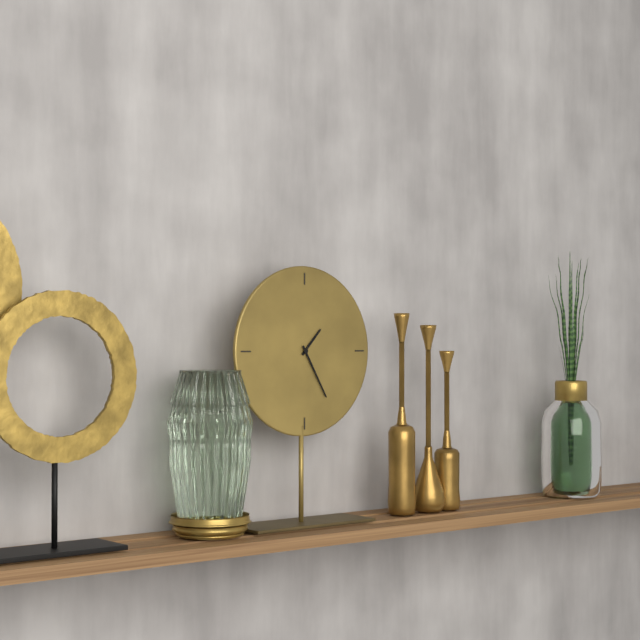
1:25
